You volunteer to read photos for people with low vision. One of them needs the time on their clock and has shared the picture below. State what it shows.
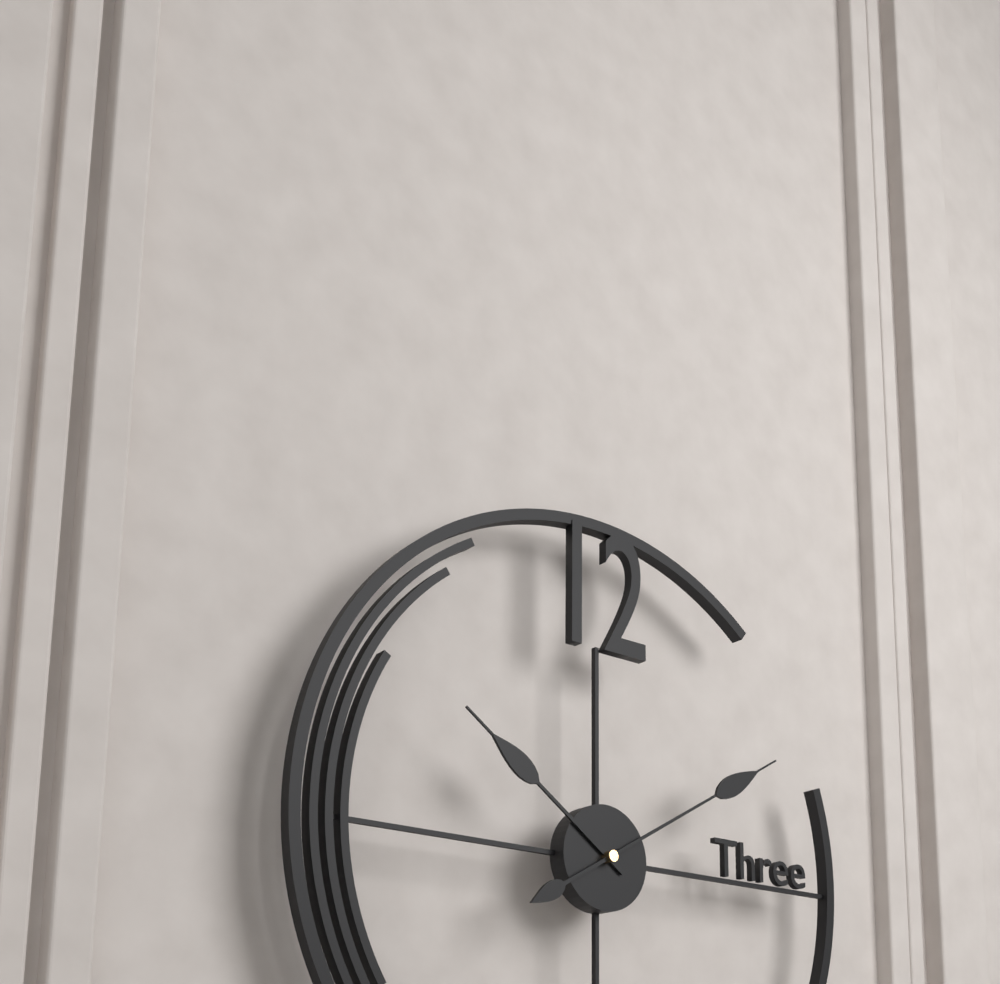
10:10
